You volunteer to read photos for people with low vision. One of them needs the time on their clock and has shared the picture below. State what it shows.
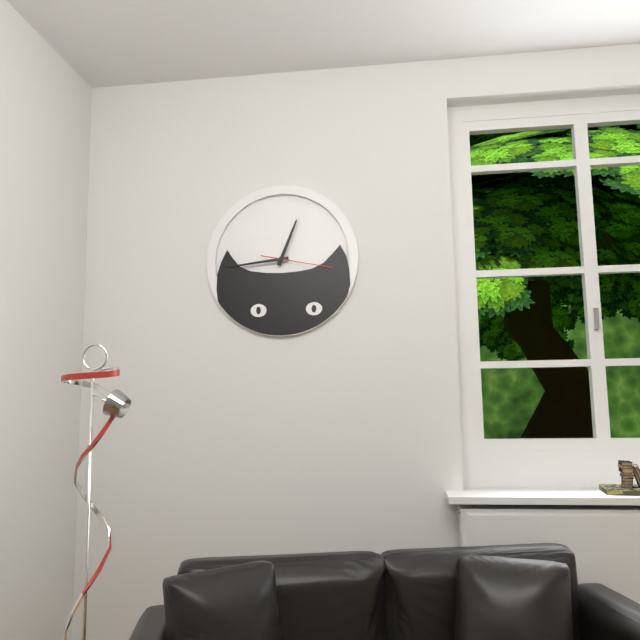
12:44:17
